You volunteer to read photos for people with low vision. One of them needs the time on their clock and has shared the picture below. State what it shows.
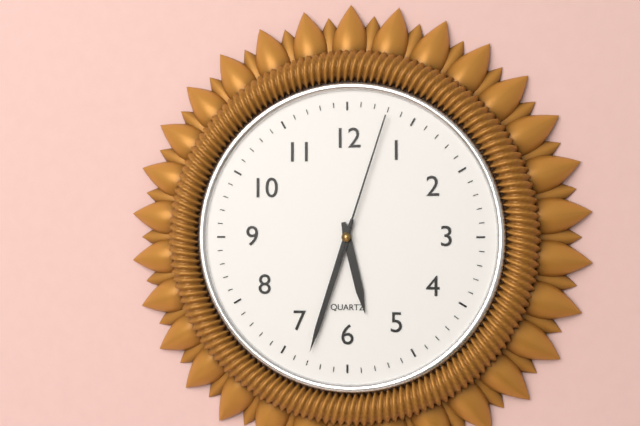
5:33:03
